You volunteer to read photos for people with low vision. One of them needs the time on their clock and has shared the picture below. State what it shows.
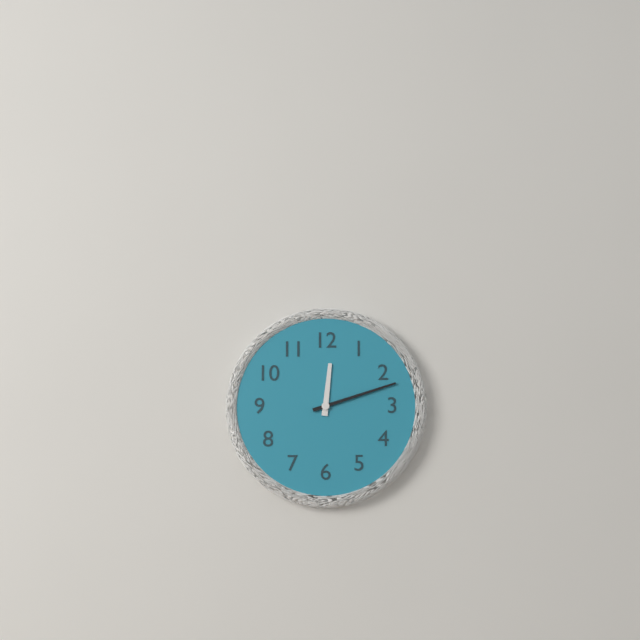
12:12
